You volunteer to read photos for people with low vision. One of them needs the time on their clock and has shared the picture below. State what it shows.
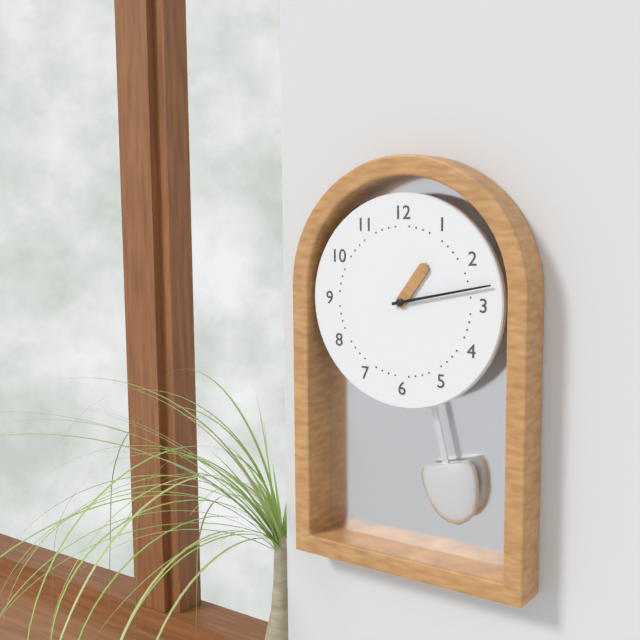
1:13
